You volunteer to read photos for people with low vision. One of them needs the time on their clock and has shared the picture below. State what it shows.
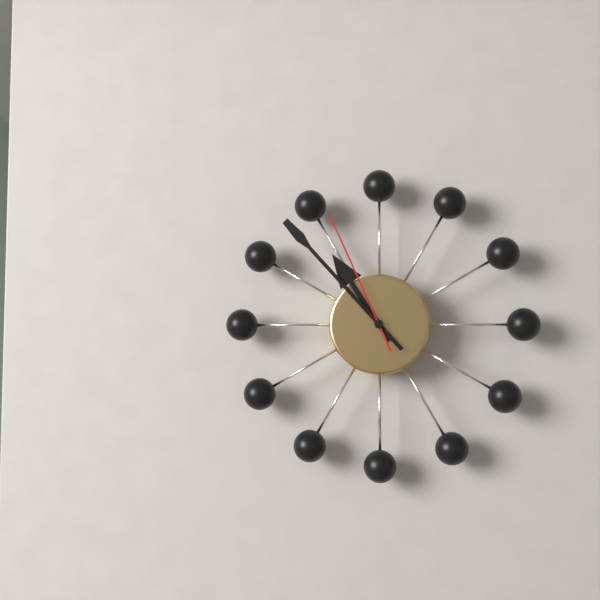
10:53:56
